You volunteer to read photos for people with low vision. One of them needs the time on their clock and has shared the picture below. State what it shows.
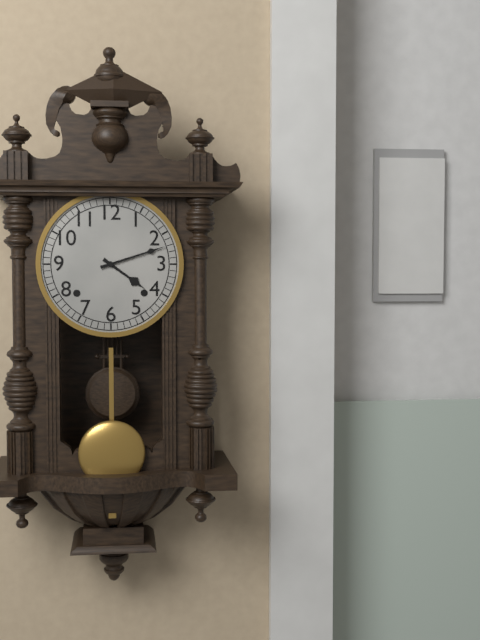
4:12
